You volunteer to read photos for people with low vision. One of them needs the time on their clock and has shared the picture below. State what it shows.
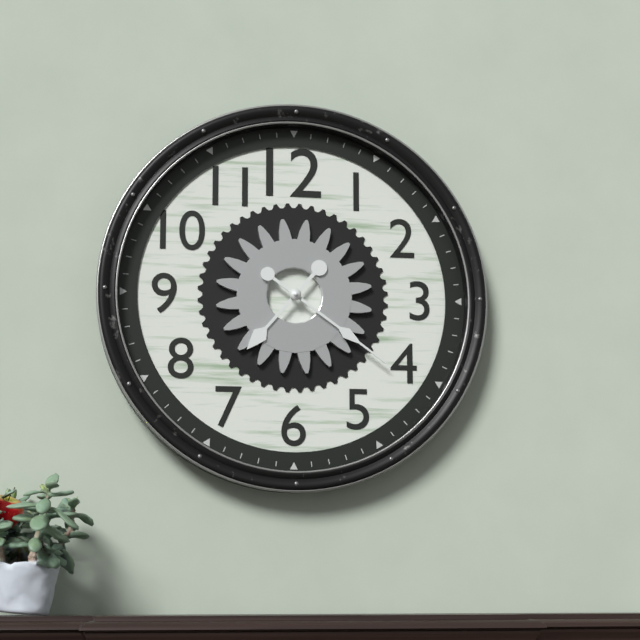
7:21
